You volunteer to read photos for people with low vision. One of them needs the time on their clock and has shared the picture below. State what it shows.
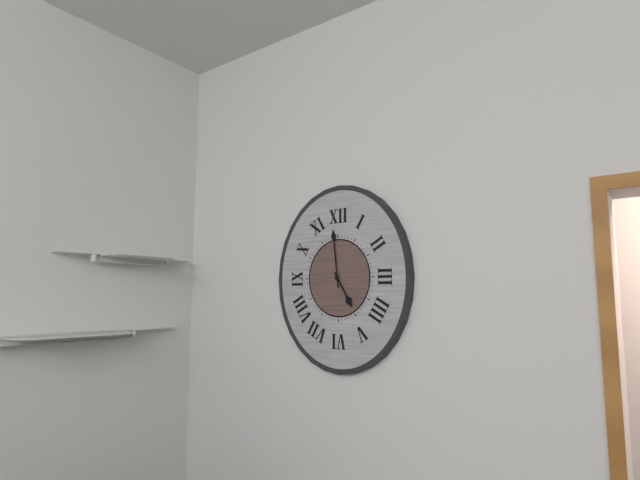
4:59
